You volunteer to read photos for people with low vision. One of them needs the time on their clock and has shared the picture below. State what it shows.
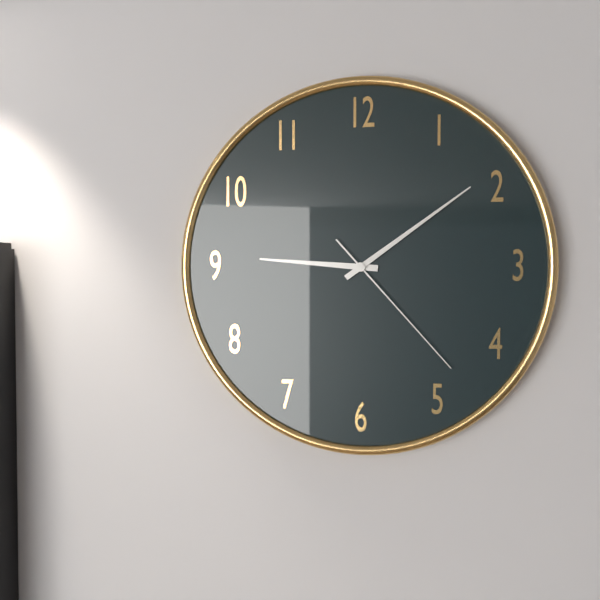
9:09:23
